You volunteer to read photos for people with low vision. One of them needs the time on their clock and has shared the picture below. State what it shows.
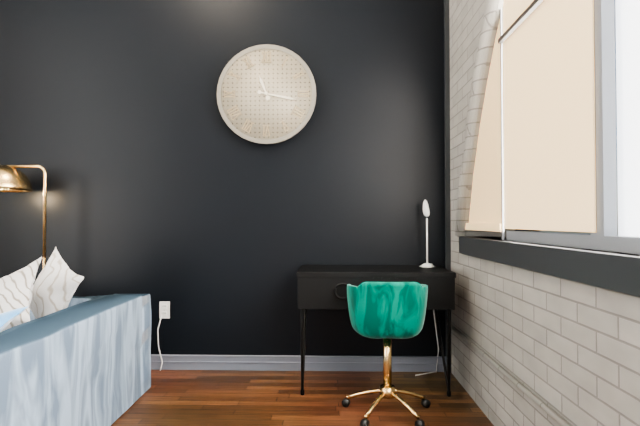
11:17
